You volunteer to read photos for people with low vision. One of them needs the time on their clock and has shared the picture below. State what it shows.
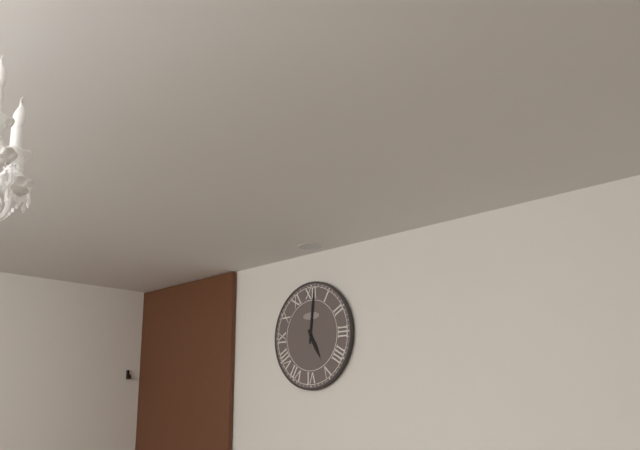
5:01
